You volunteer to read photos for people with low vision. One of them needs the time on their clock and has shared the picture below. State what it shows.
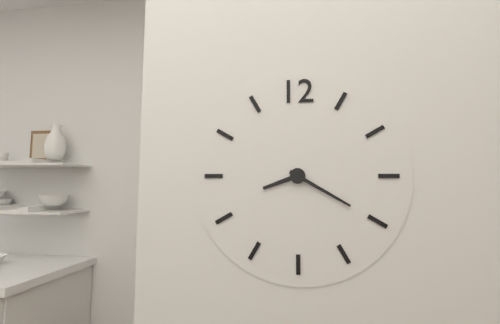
8:20
